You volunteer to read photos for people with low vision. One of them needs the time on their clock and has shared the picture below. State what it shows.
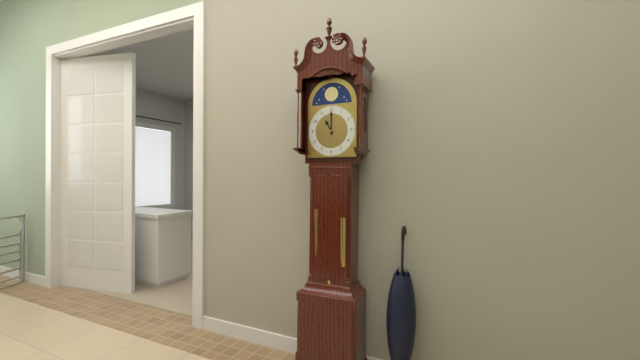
11:00
